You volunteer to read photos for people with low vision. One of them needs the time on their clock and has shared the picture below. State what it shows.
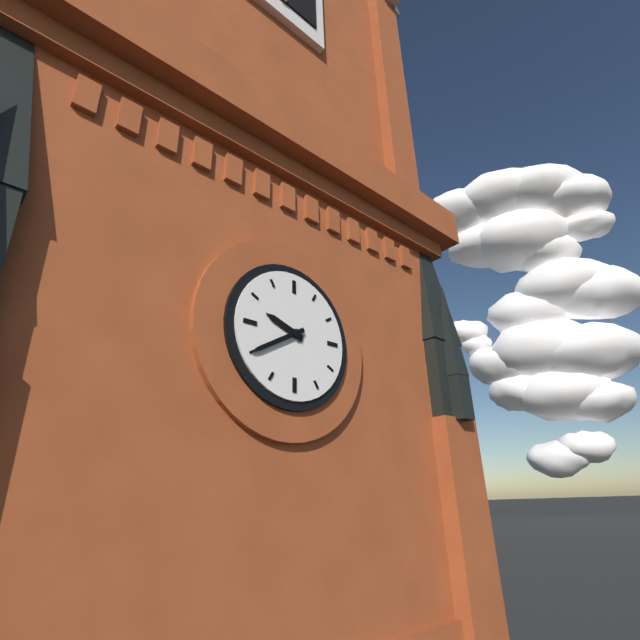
9:40
